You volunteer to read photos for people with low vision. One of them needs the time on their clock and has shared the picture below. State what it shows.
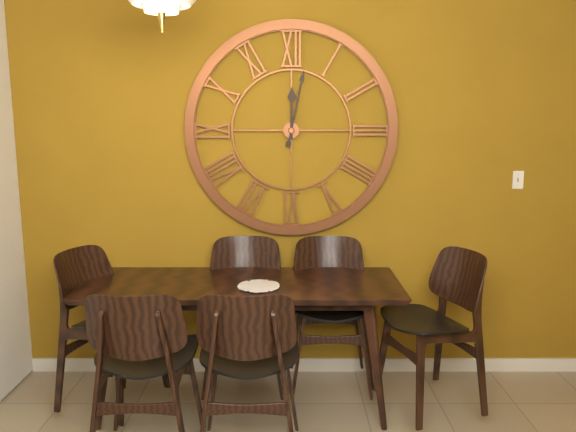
12:02
